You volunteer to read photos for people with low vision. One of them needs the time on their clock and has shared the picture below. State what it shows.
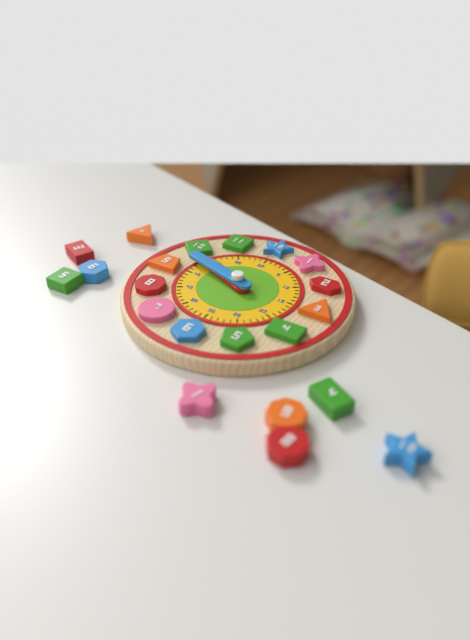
9:48
